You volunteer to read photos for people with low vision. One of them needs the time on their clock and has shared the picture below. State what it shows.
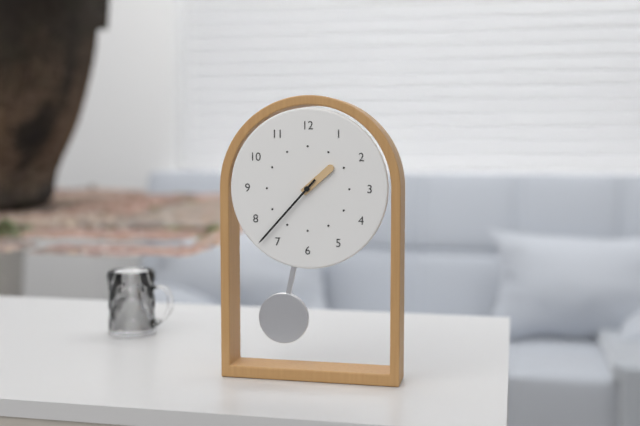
1:37
